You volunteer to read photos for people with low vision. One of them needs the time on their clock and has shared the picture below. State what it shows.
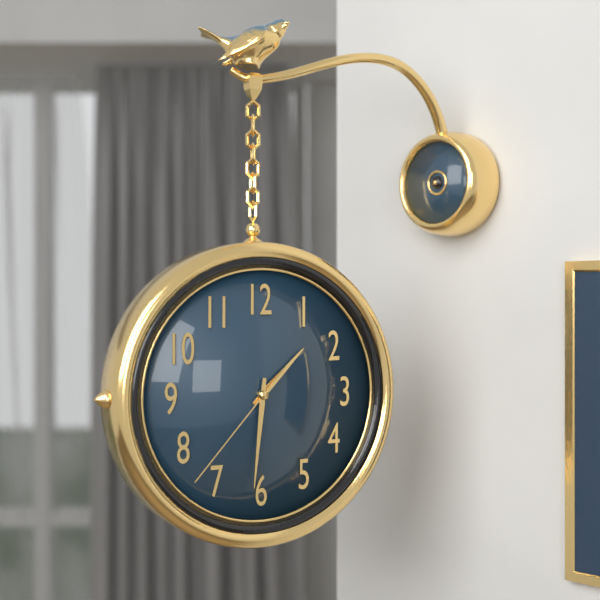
1:31:37
